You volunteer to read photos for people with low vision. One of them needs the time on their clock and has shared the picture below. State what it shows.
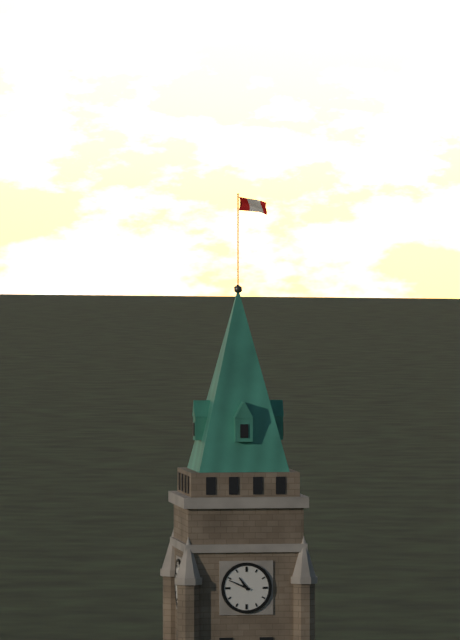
10:49
